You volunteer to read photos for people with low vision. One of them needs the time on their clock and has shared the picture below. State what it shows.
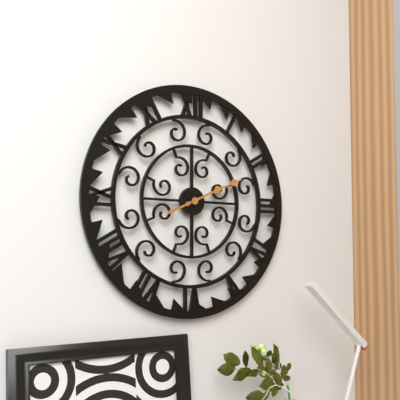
2:11
